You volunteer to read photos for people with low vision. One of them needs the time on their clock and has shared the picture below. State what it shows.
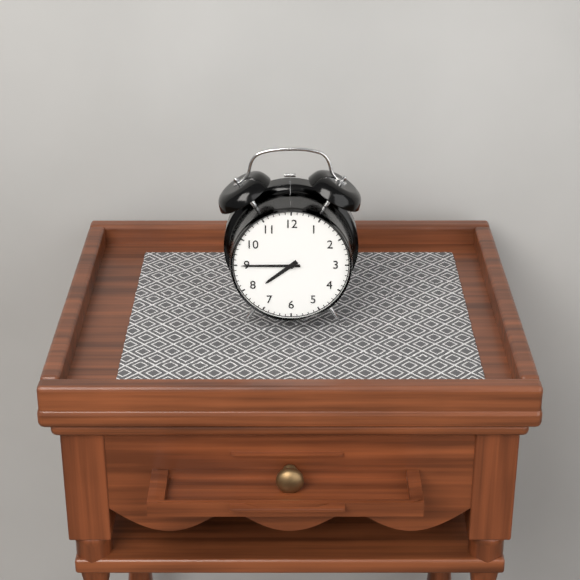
7:45
